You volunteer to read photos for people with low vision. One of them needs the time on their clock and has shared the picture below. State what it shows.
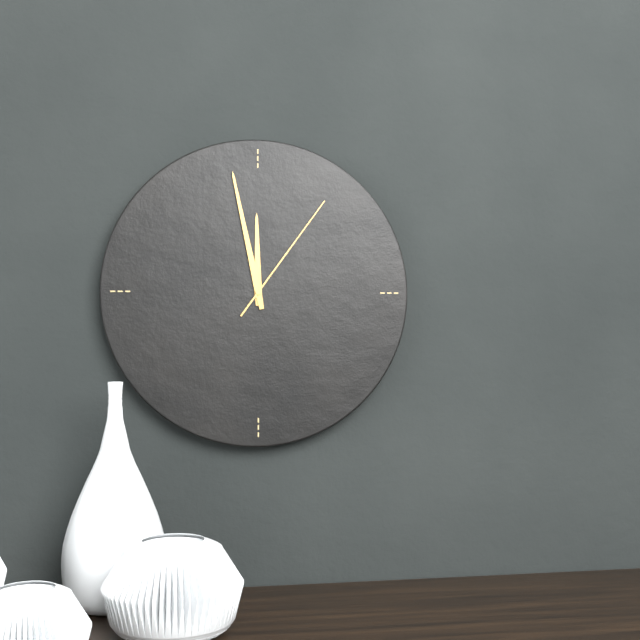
11:58:06
